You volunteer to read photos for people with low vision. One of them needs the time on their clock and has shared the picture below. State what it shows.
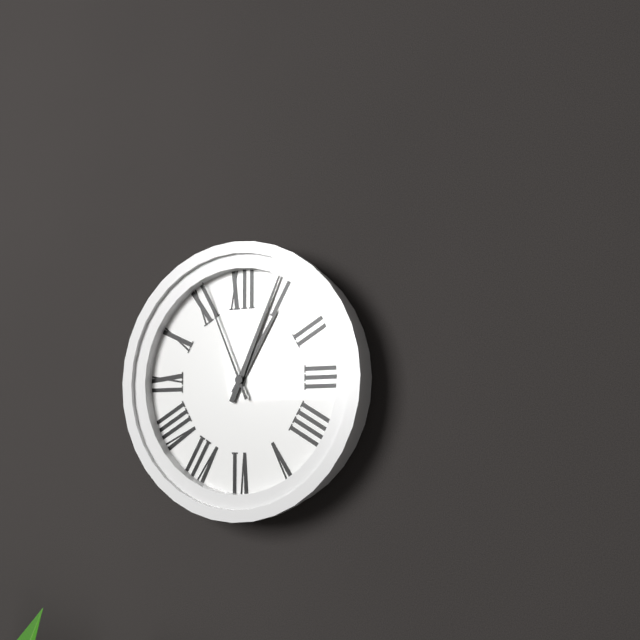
1:04:56
